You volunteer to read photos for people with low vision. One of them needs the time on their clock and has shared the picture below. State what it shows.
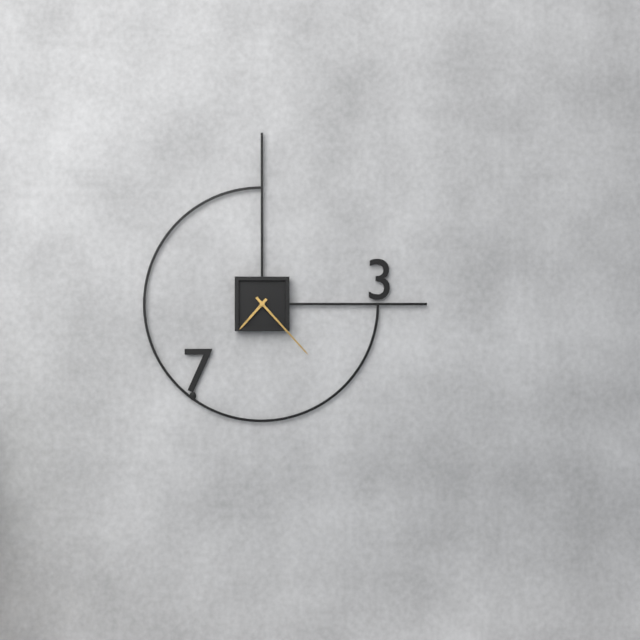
7:23
